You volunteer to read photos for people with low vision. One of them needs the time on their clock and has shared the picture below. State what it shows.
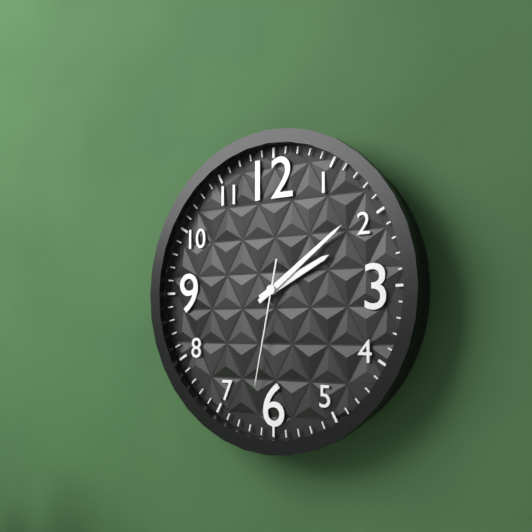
2:09:32
